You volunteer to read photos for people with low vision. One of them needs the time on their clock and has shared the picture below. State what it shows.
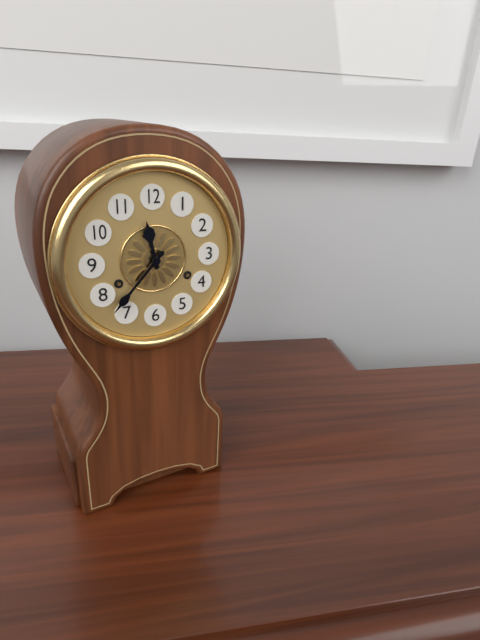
11:37
